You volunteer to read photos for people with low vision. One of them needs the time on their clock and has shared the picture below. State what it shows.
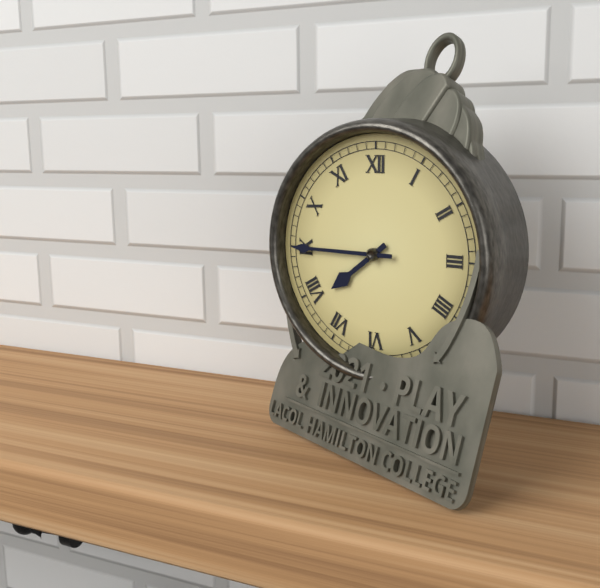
7:45
